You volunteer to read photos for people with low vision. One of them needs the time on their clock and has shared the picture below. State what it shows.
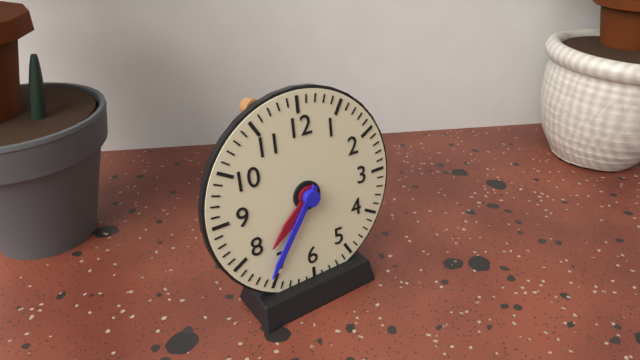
7:36
